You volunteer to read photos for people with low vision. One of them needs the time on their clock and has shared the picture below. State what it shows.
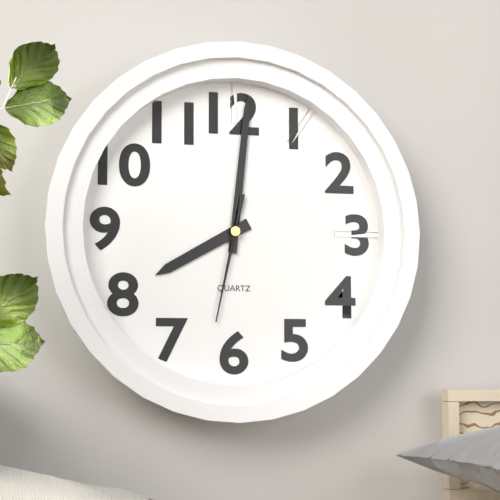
8:01:32
